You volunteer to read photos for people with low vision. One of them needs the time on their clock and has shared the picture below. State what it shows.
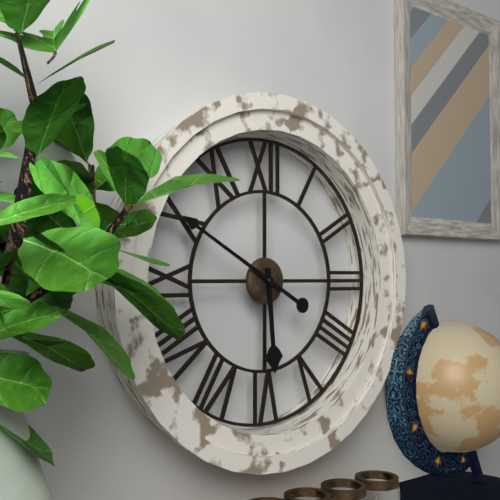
5:50
